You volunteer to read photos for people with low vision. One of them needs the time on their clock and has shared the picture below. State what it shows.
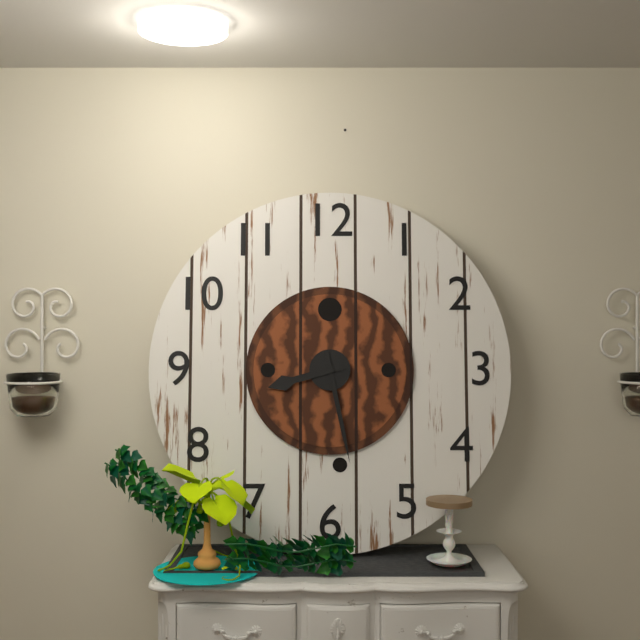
8:28
